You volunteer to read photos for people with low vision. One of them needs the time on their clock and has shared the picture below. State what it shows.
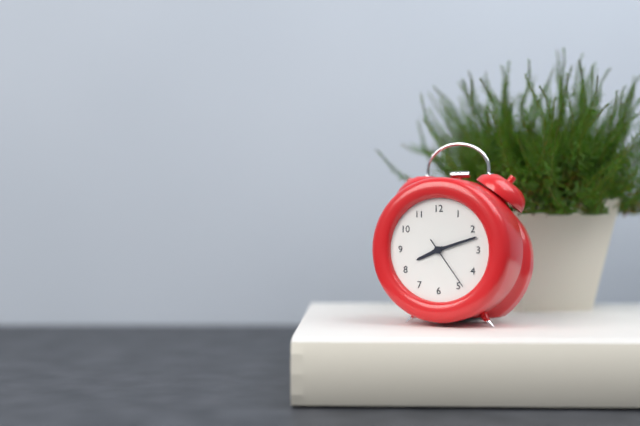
8:12:24
